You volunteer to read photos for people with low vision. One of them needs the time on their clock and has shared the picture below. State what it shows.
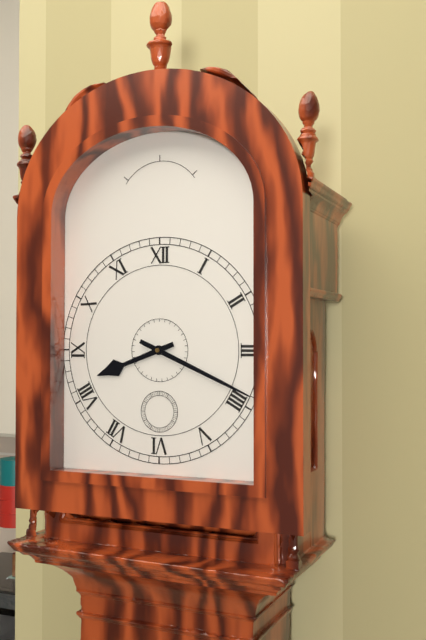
8:19
